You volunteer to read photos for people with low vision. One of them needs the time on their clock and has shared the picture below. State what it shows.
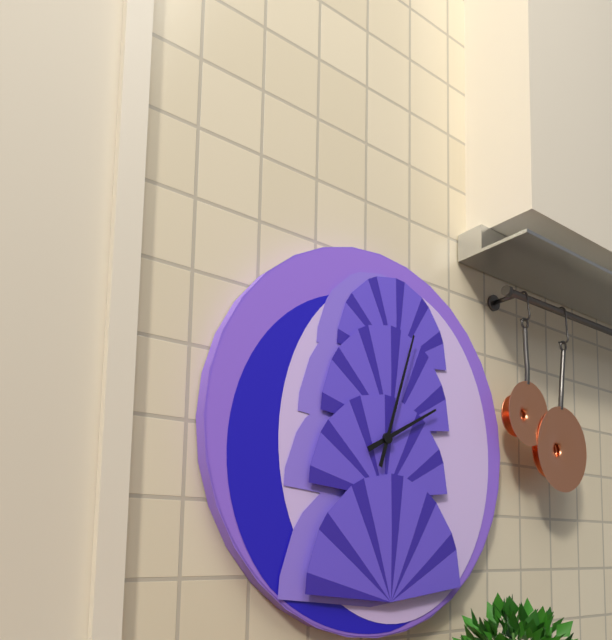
2:03
